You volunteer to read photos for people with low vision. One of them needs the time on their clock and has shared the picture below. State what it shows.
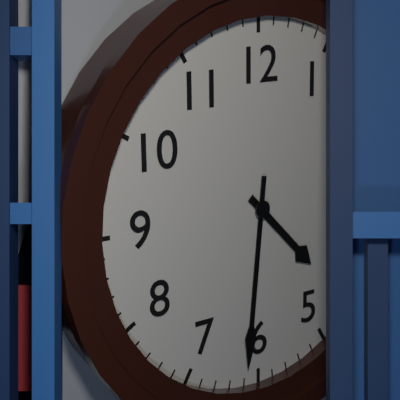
4:31
